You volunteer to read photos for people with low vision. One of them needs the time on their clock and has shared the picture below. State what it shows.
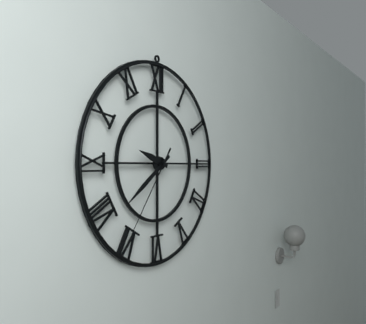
9:39:36
